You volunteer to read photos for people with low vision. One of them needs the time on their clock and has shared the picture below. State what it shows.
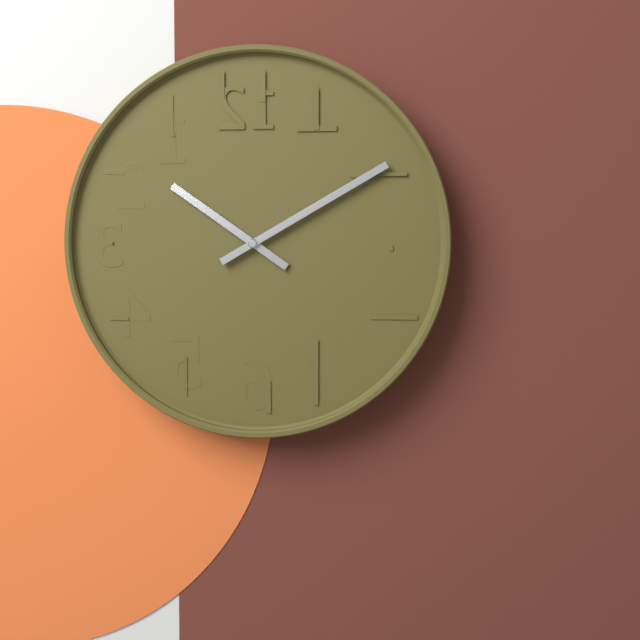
10:10
